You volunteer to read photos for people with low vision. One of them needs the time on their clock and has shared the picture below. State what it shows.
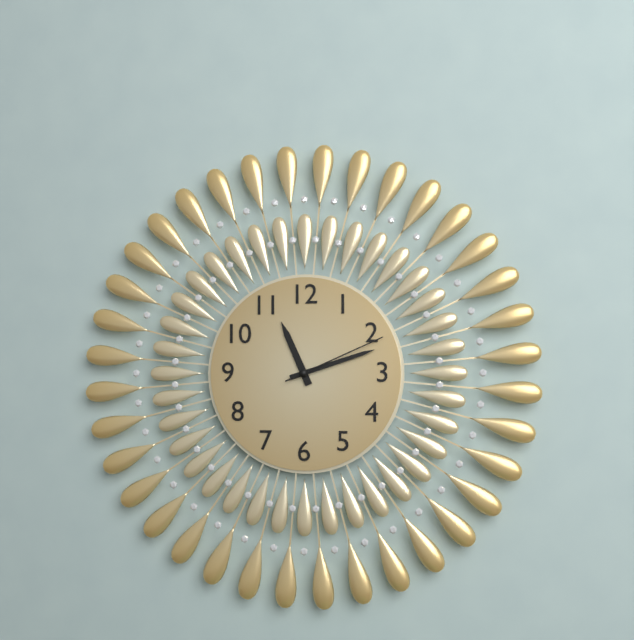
11:12:11
